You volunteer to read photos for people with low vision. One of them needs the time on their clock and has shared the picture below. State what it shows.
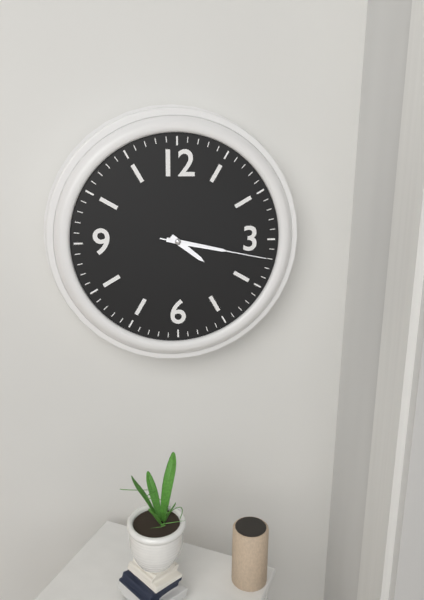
4:17:17
